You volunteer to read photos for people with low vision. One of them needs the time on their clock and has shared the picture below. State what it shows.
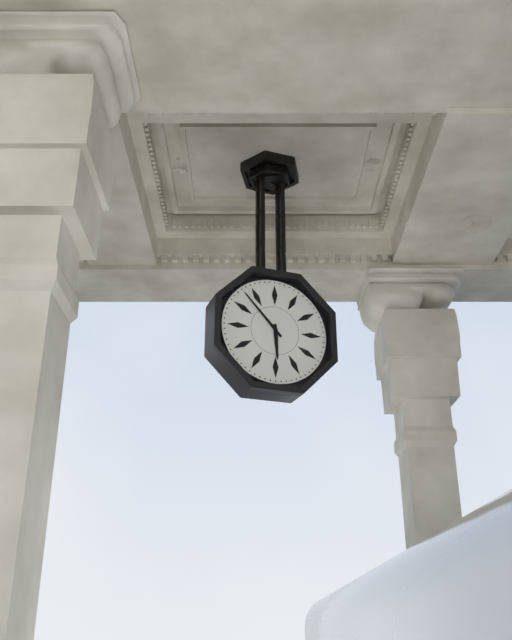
5:53
